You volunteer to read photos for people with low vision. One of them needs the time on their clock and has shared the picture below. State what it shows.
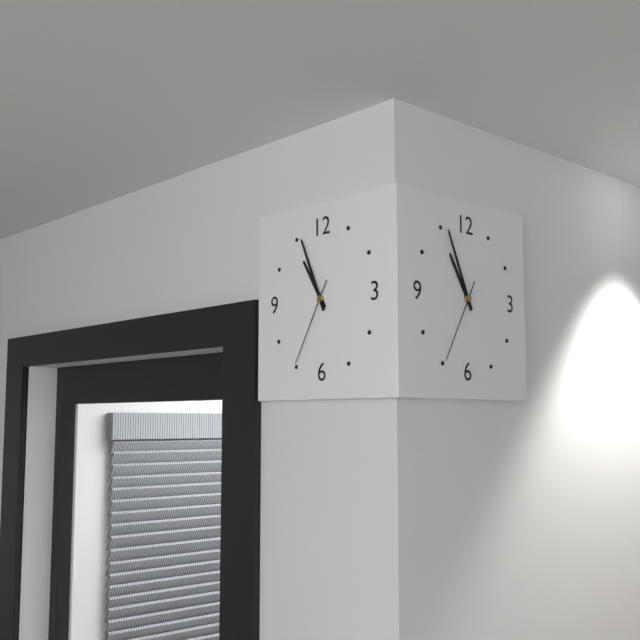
10:56:35
